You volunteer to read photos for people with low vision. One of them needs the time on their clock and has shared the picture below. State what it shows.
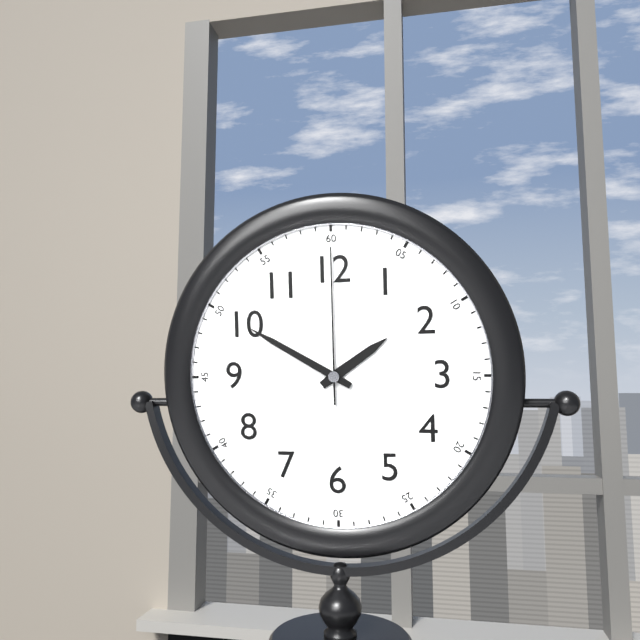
1:50:00
